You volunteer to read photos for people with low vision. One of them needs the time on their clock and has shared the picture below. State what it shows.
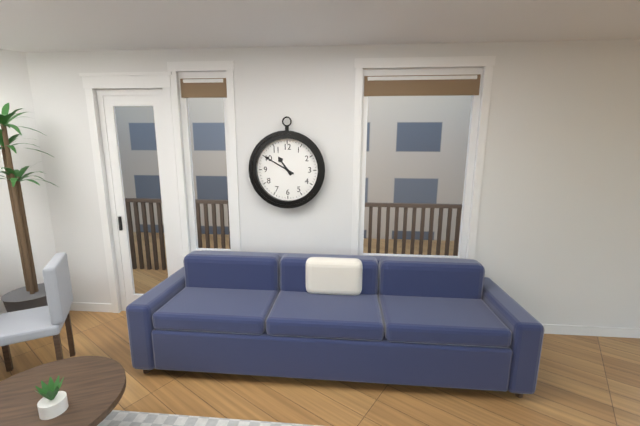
10:50
